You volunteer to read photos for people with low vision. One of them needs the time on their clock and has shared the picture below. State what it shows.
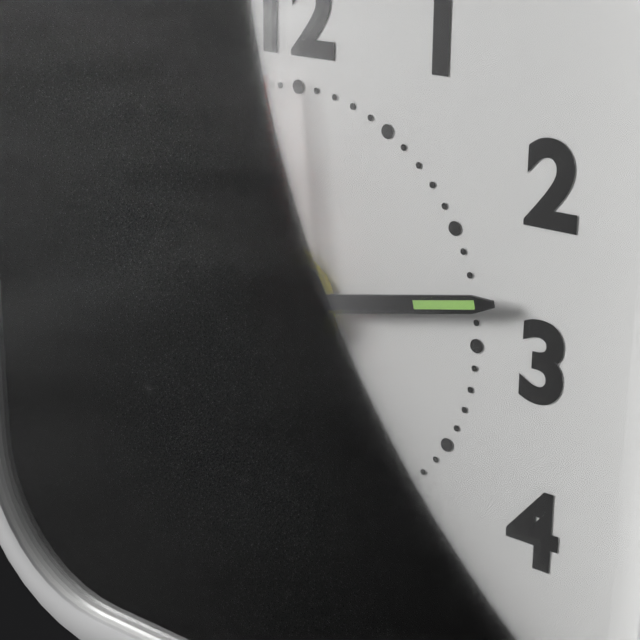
8:13:59
